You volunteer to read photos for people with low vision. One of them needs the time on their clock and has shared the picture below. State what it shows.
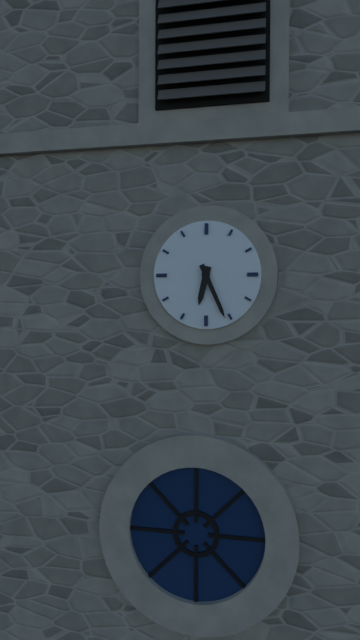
6:26
